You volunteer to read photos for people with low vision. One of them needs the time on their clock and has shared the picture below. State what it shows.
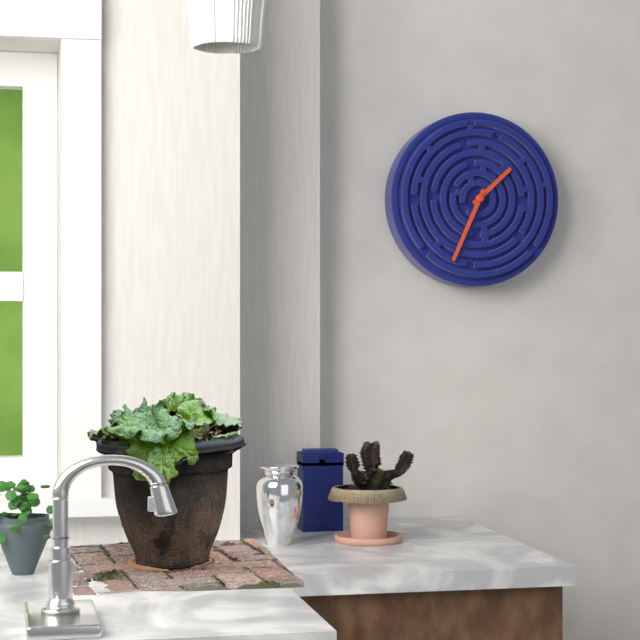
1:34
